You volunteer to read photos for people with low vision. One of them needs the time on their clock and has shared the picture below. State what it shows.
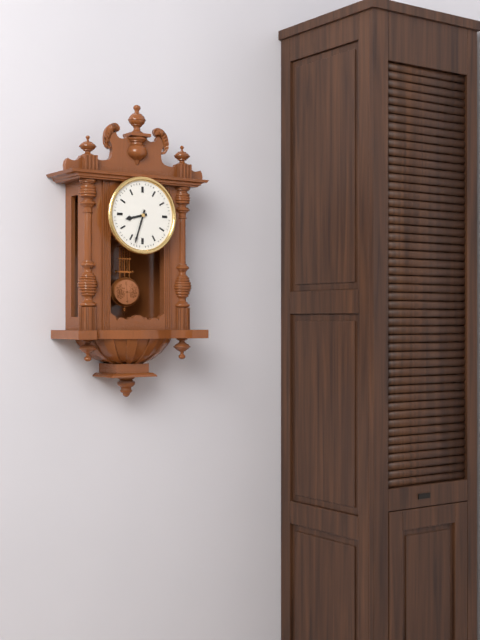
8:33
